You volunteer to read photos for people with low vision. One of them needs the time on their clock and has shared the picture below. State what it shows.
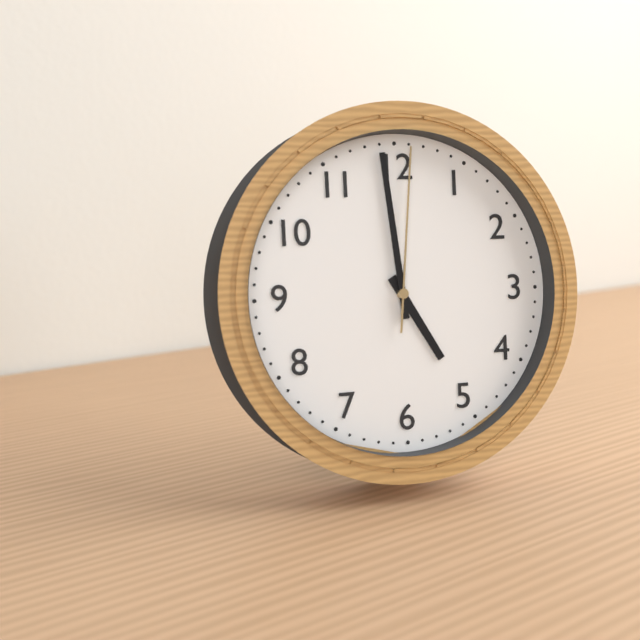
4:59:01
